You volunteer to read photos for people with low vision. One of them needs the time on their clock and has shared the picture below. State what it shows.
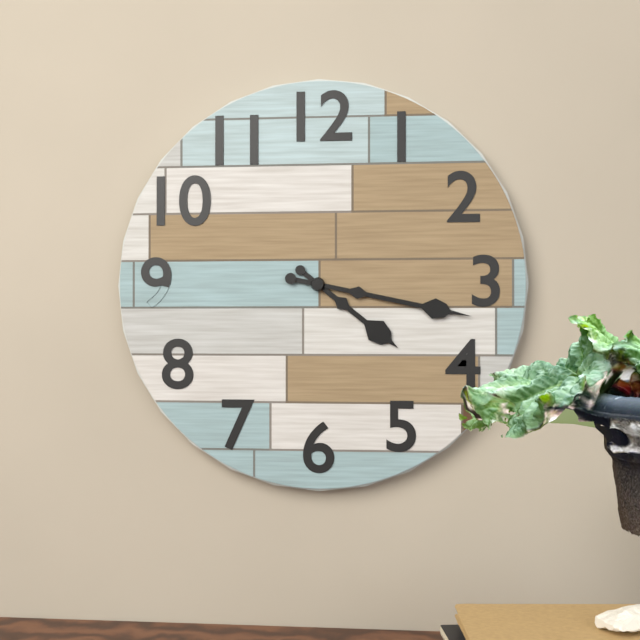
4:17
